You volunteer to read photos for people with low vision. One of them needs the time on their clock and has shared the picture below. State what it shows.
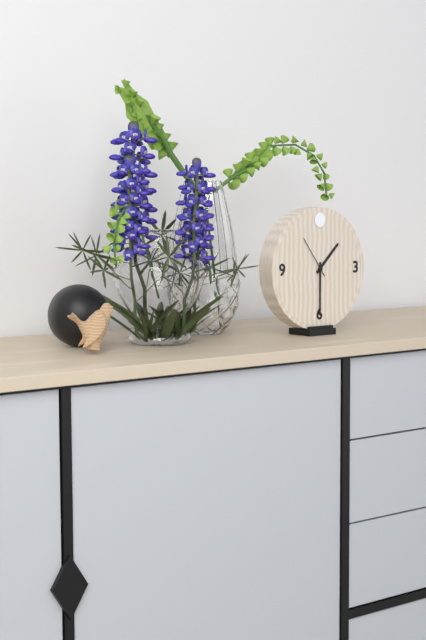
1:30
